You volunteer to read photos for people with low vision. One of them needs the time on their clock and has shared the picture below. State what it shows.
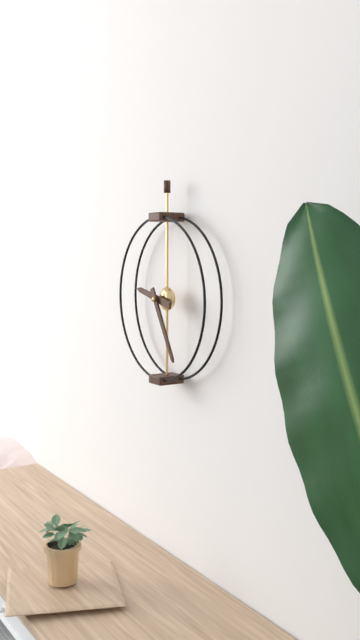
9:25
